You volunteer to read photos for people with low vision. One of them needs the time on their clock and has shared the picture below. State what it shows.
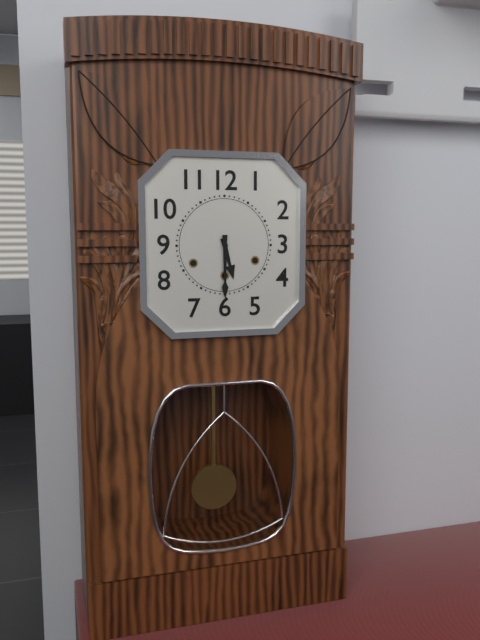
5:30
